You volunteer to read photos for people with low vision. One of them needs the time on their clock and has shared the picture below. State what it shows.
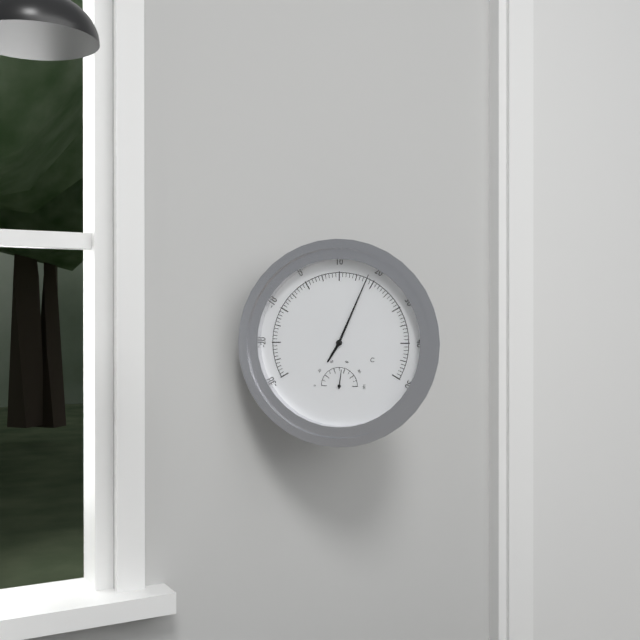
7:04
